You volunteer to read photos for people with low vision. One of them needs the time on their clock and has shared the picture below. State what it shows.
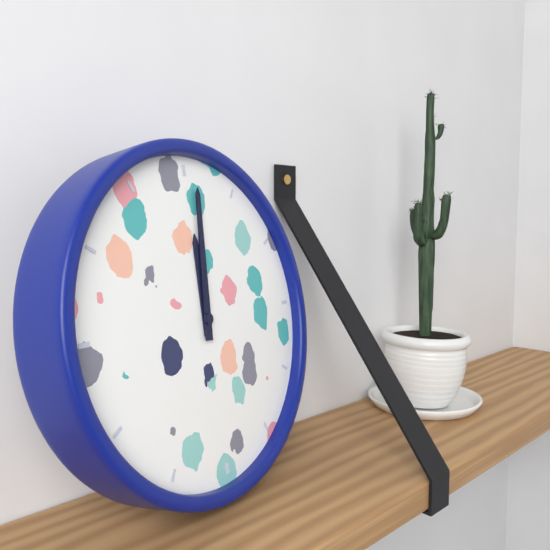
12:01
